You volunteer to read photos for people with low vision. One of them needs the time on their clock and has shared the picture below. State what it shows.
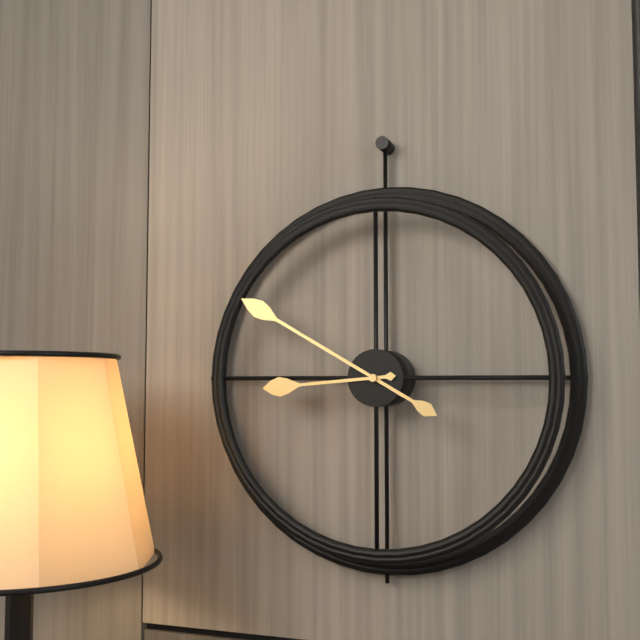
8:50
